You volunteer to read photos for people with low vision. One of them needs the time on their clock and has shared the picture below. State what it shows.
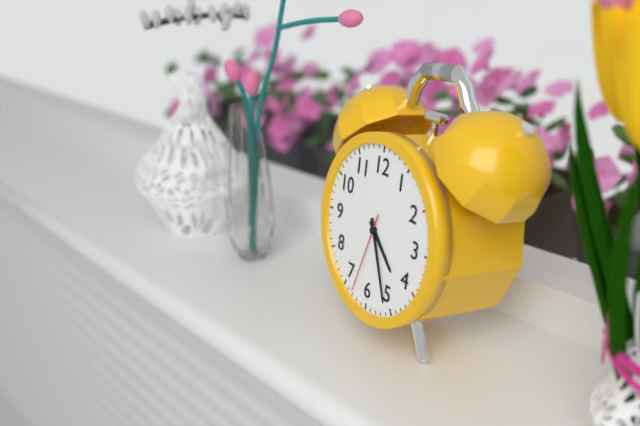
4:26:33
